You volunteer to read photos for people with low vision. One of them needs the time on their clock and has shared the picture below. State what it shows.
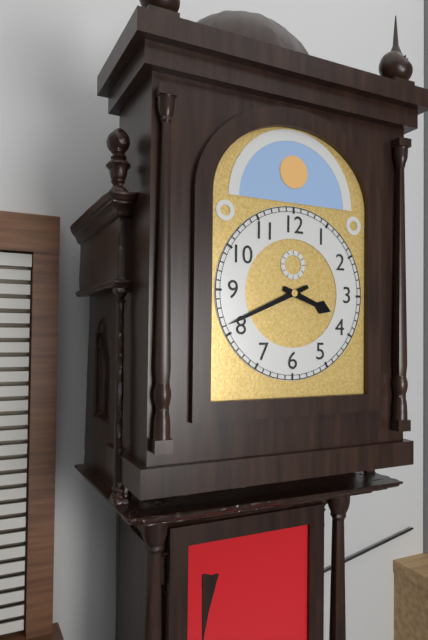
3:41
